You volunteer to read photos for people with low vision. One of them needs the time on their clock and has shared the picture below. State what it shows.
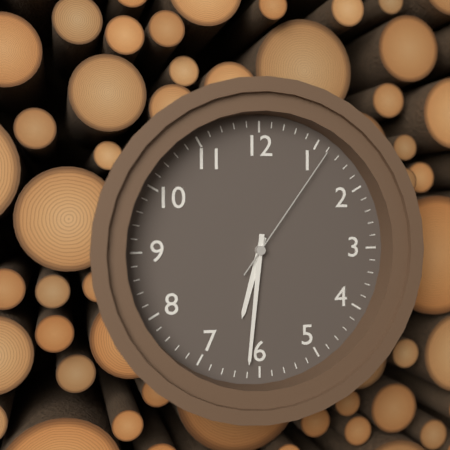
6:31:06
